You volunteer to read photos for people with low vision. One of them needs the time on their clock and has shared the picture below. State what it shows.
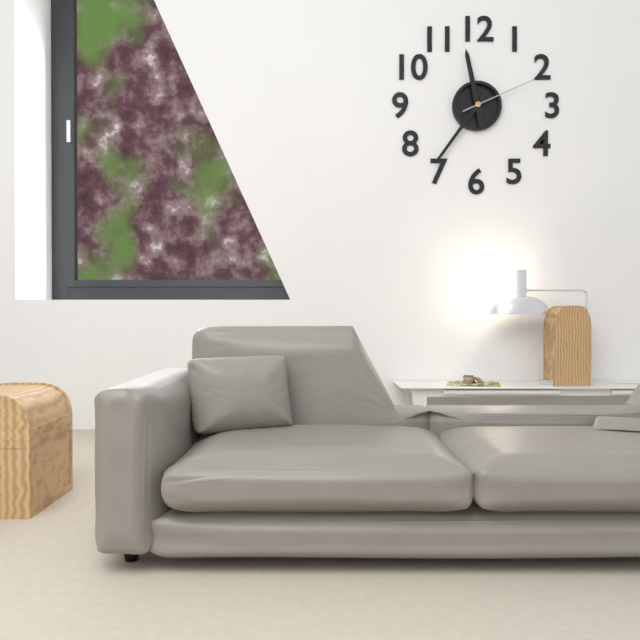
11:36:11
